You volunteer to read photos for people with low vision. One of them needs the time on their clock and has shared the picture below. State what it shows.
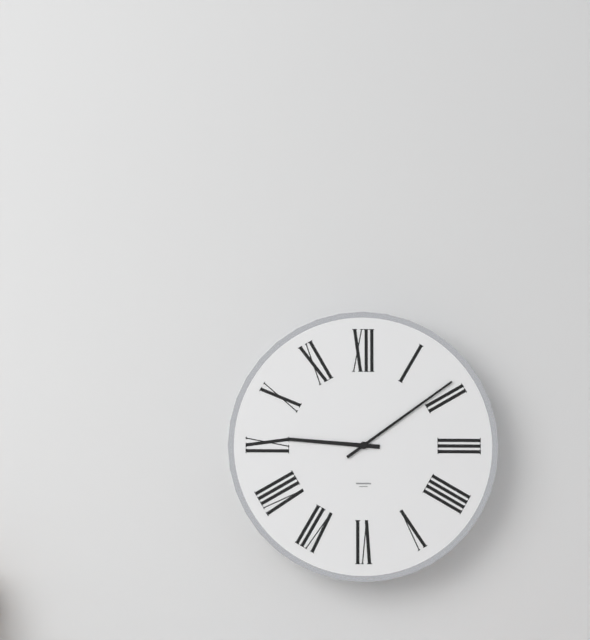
9:09
